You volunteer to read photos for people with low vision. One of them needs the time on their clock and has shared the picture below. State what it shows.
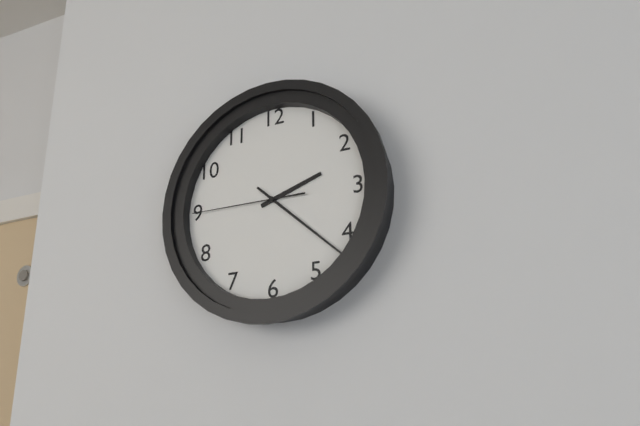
2:22:45
